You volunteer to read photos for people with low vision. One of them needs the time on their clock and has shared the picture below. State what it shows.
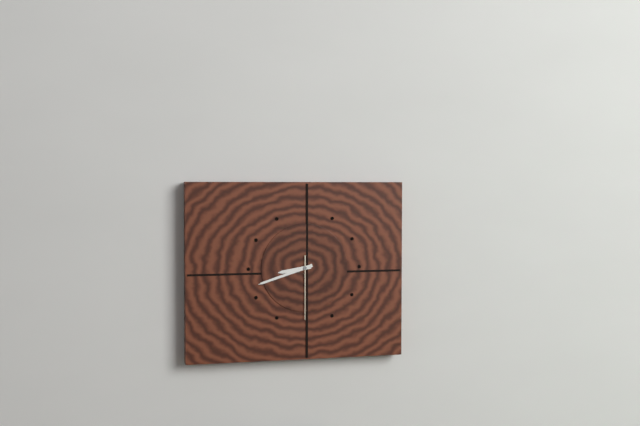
8:42:30
